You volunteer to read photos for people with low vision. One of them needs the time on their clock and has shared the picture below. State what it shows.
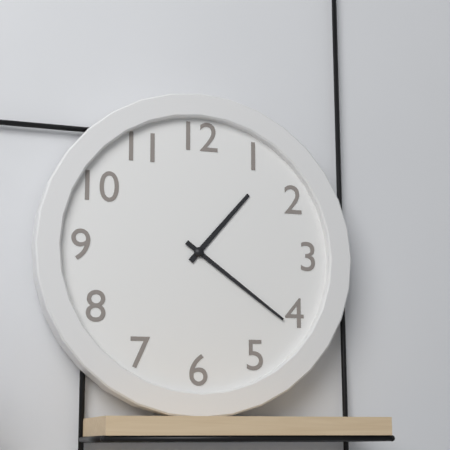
1:21
